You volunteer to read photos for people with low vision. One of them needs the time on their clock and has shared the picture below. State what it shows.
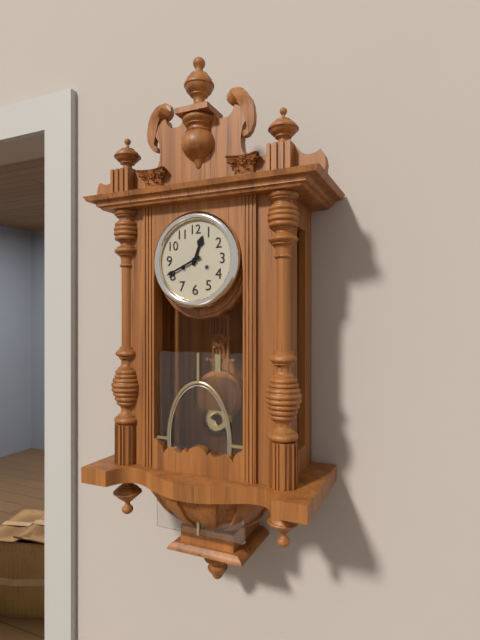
12:41
